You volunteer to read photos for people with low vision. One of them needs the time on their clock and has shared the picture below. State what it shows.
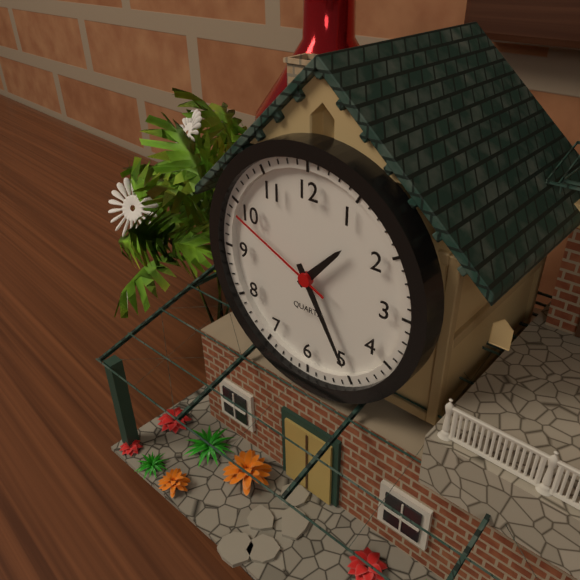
1:25:49
